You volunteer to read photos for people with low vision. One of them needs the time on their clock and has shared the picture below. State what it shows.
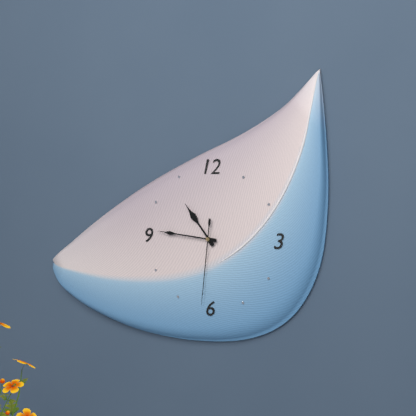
10:46:31
